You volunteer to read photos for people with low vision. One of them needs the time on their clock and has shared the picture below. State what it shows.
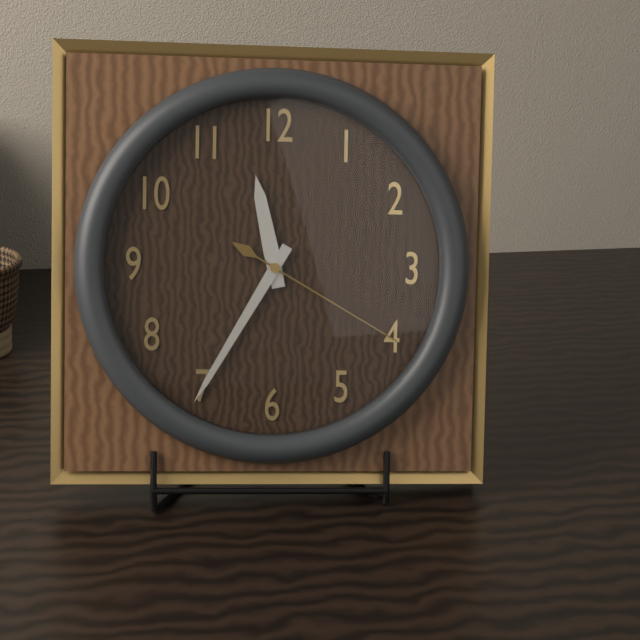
11:35:20
